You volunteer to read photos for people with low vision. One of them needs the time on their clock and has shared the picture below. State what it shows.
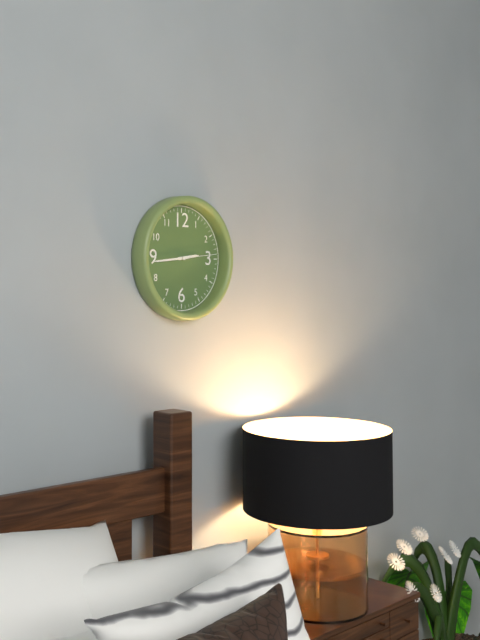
2:44
